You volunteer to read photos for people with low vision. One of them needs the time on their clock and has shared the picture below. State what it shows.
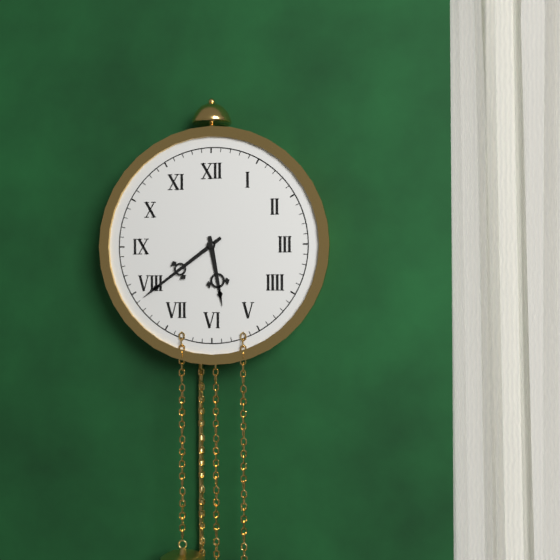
5:39
